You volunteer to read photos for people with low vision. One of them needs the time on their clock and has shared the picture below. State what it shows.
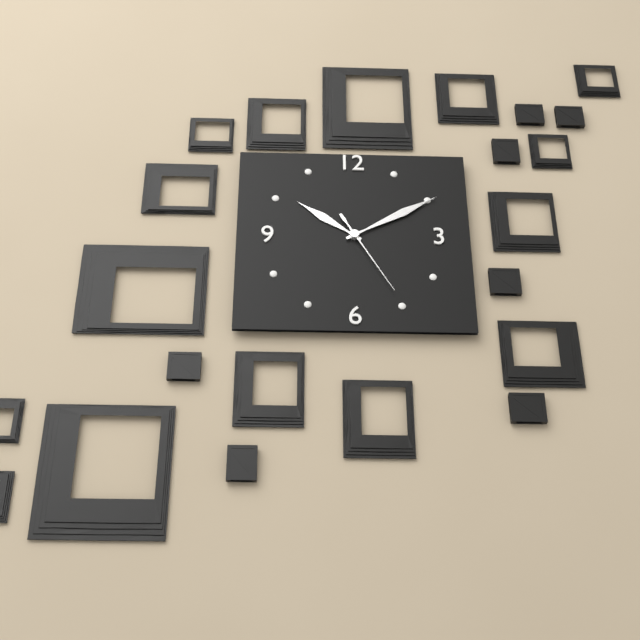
10:10:25
